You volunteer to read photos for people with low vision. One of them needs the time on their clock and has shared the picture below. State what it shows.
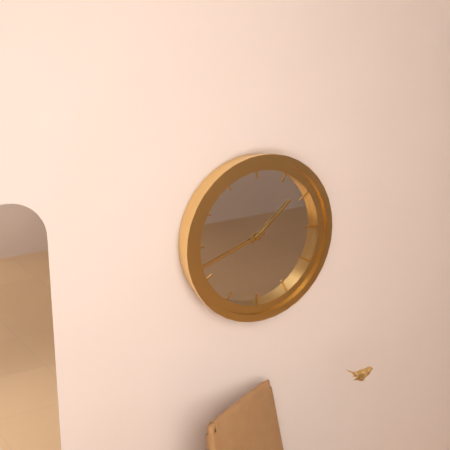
1:42
